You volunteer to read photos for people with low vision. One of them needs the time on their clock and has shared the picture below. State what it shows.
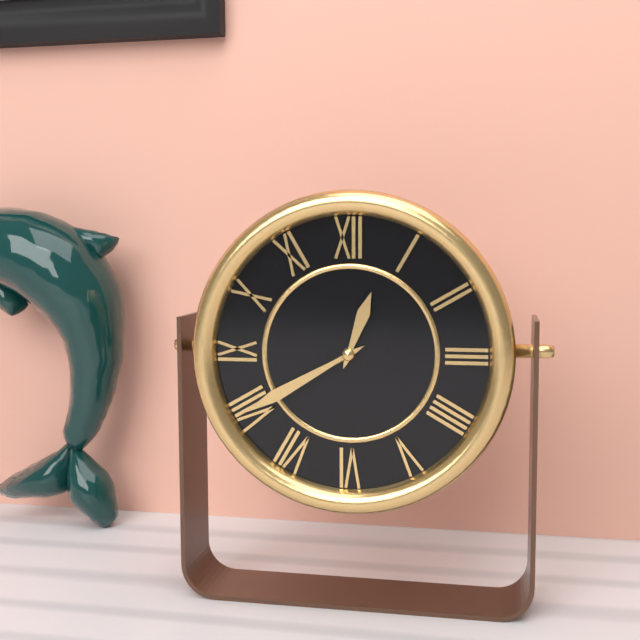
12:40
